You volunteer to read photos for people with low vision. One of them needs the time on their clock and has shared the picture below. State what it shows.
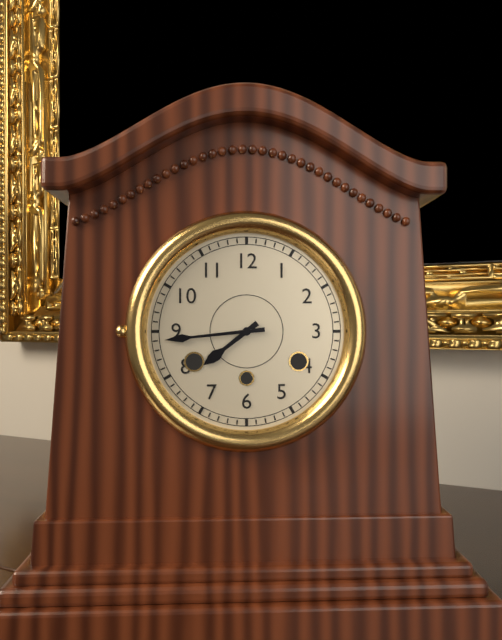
7:44
